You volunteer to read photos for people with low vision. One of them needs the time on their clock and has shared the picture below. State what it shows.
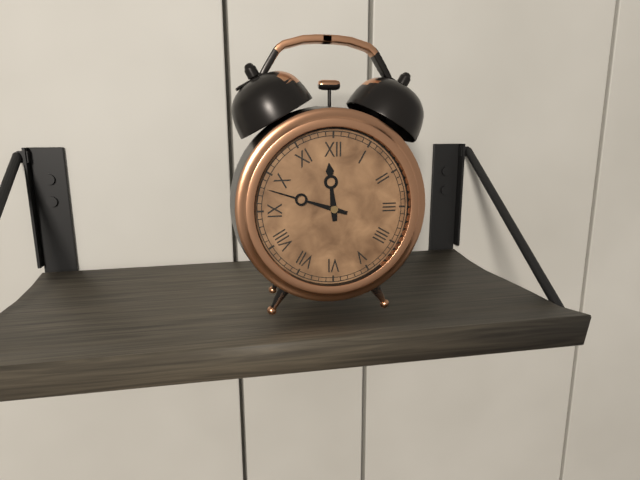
11:48
